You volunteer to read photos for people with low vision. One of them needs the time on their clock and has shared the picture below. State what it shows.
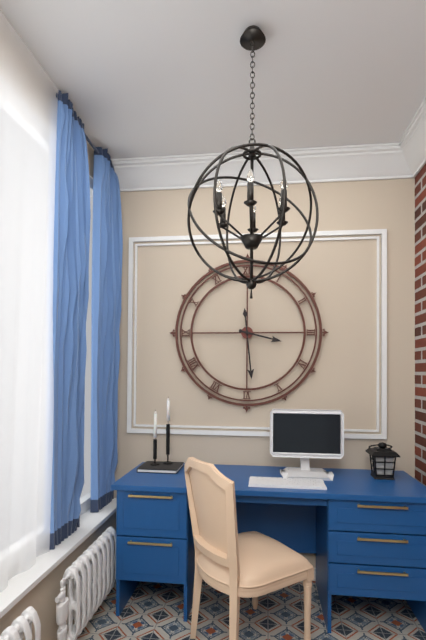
3:29
